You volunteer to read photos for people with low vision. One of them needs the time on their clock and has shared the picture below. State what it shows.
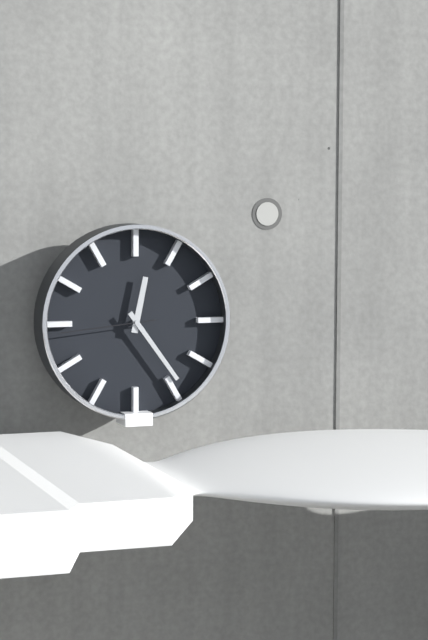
12:24:44
